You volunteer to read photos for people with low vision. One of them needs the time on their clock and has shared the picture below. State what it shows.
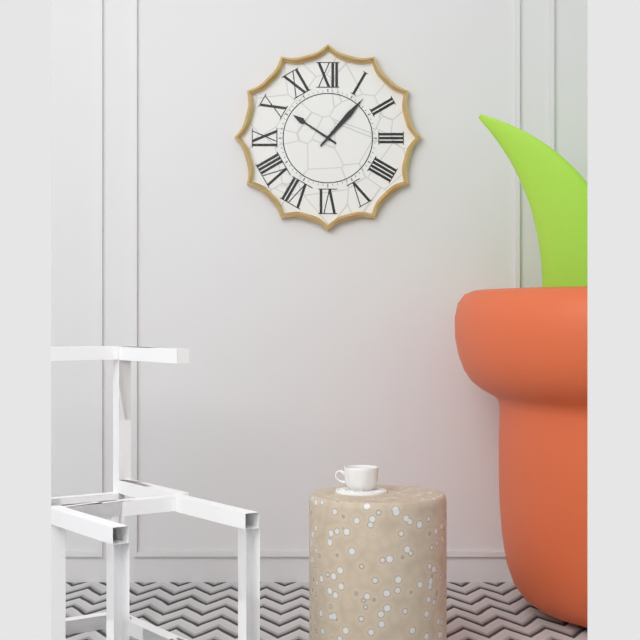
10:07
